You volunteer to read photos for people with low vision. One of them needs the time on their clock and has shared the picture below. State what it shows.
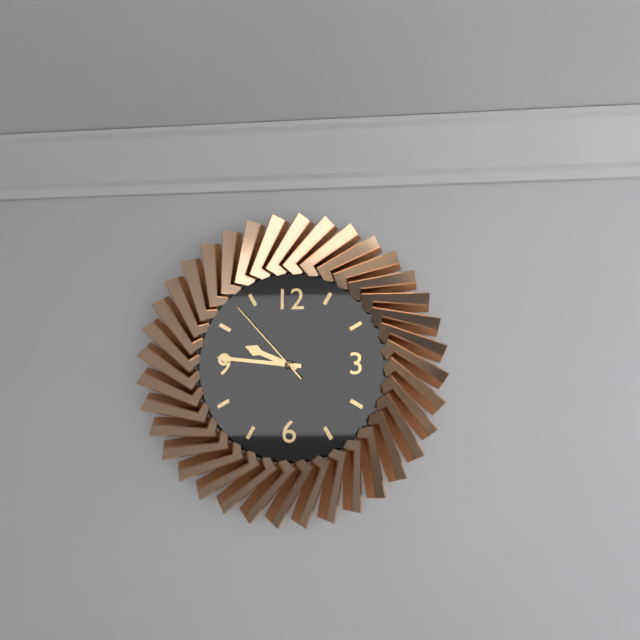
9:46:53
